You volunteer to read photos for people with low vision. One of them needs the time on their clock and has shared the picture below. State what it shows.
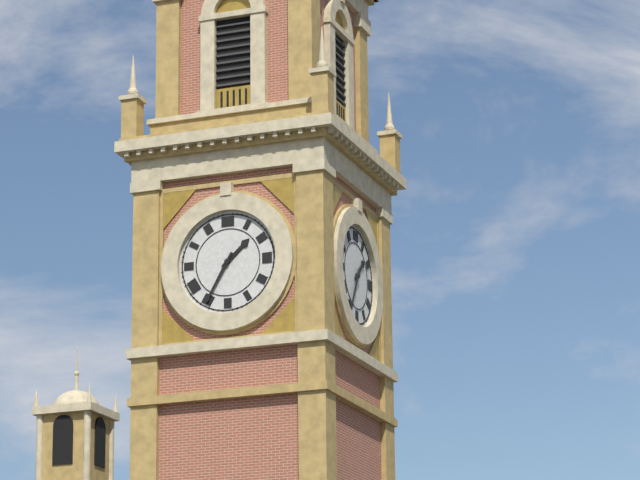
1:35
